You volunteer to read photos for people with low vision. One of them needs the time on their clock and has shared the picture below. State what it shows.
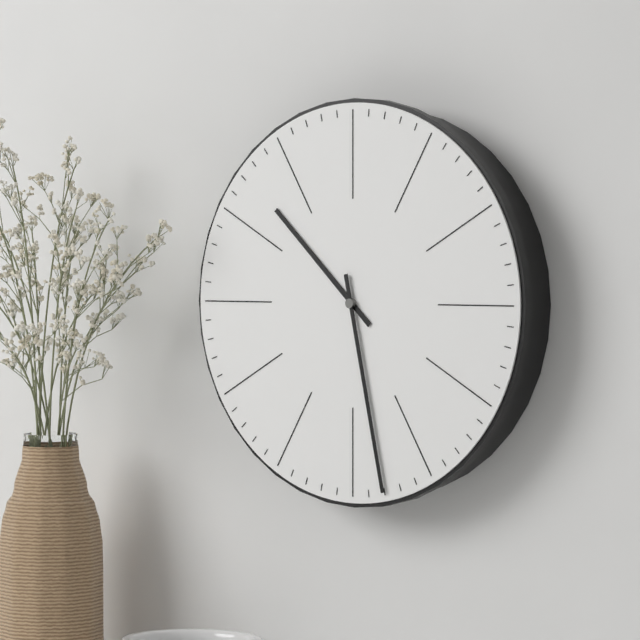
10:28
